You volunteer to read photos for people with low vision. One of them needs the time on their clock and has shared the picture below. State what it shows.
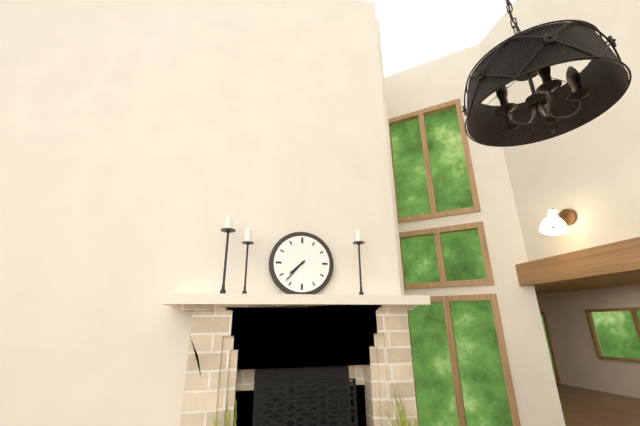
7:37
